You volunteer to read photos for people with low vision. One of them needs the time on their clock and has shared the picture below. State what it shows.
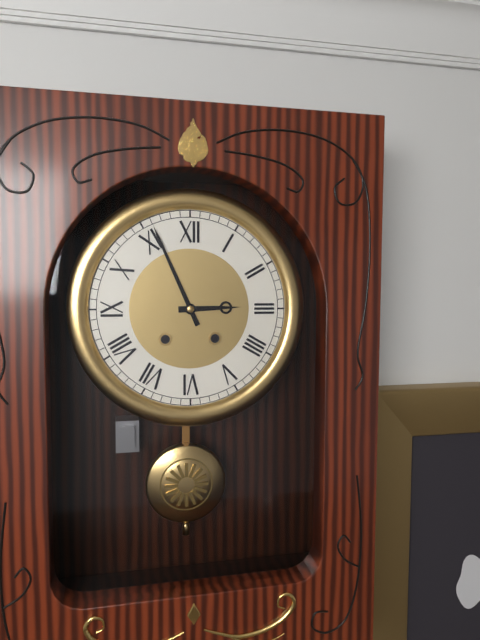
2:56
